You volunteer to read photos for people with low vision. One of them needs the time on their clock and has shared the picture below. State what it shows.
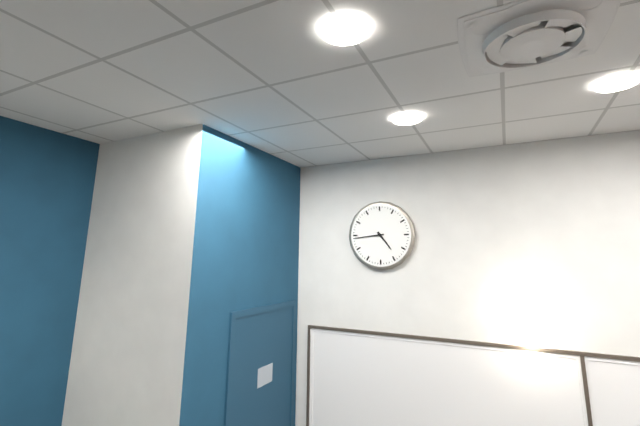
4:44
